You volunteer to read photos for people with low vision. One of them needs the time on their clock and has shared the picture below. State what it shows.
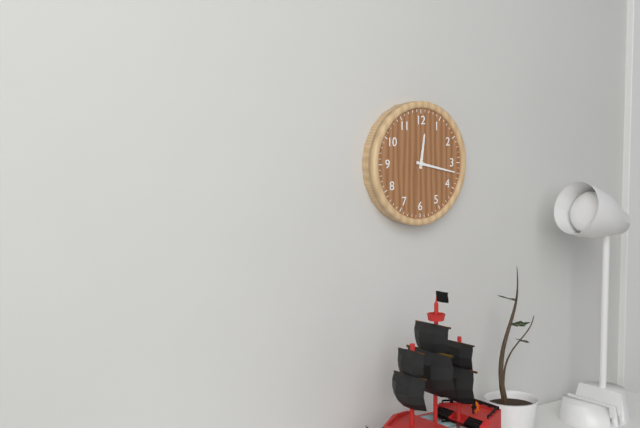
12:17
